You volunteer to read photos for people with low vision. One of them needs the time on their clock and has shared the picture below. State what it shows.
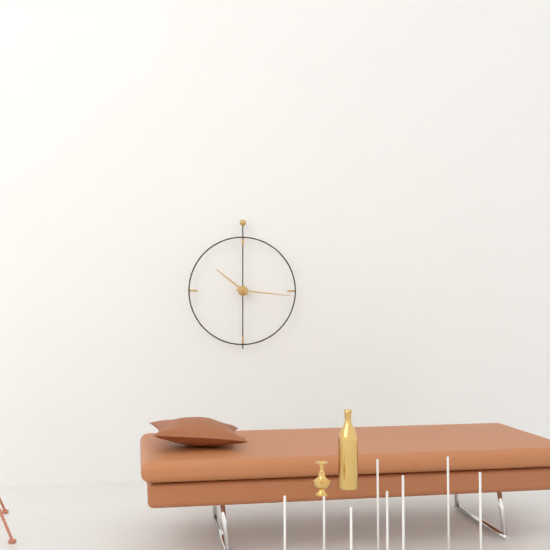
10:16
